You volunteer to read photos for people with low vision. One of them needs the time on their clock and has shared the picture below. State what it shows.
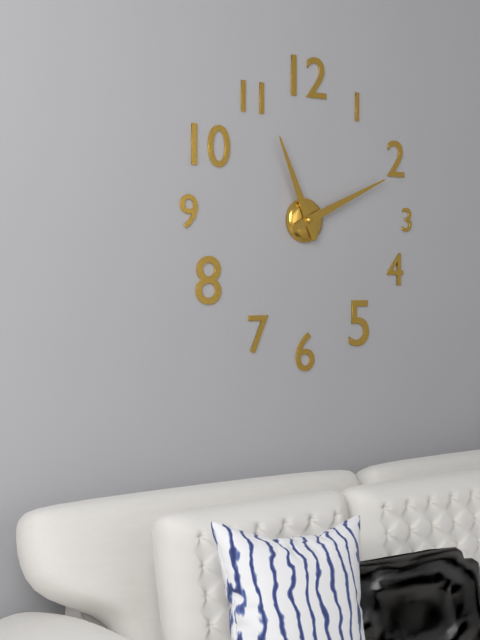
11:11
